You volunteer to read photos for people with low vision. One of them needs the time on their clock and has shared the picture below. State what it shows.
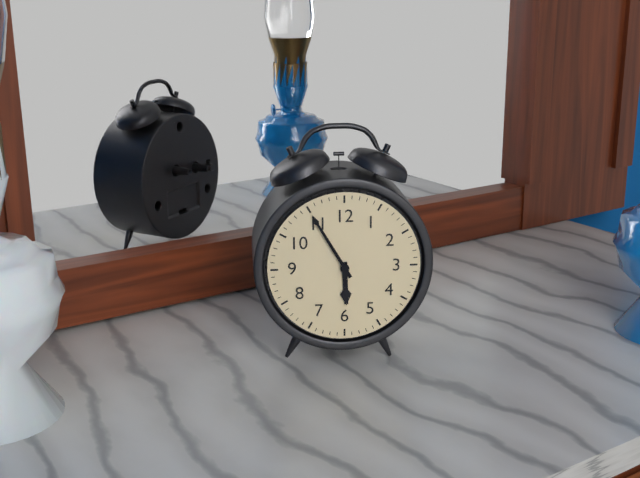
5:55
